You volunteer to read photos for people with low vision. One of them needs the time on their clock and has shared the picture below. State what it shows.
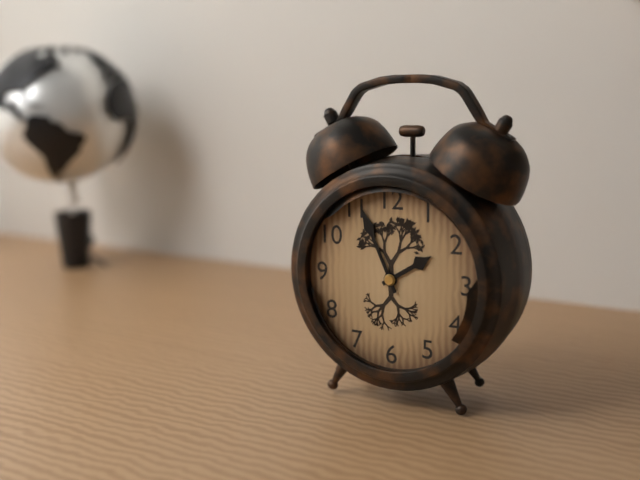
1:56
